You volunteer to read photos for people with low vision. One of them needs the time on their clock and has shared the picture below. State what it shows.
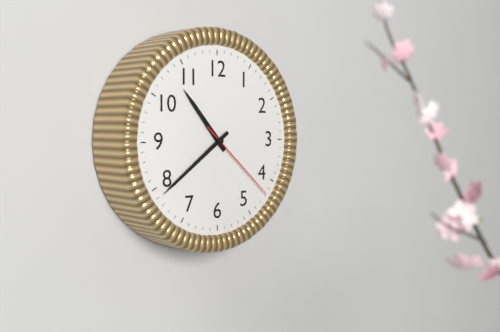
10:39:22
